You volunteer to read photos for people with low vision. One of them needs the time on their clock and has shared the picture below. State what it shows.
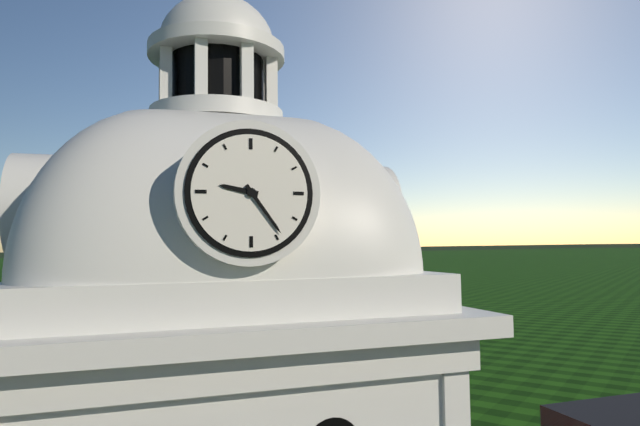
9:24
